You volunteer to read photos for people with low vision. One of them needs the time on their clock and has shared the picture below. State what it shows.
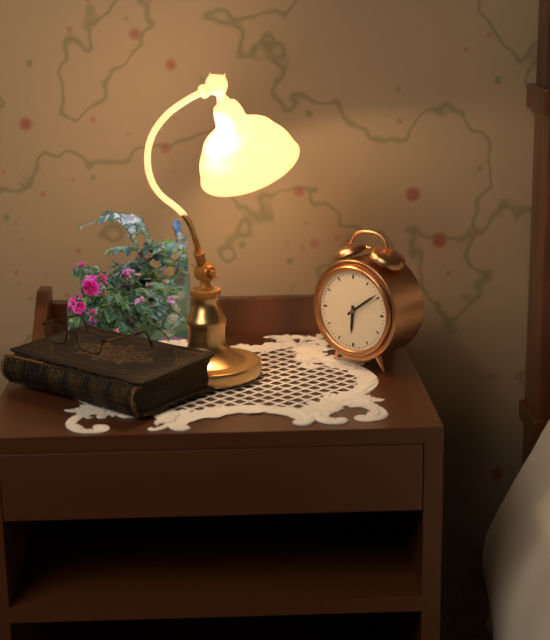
6:09
